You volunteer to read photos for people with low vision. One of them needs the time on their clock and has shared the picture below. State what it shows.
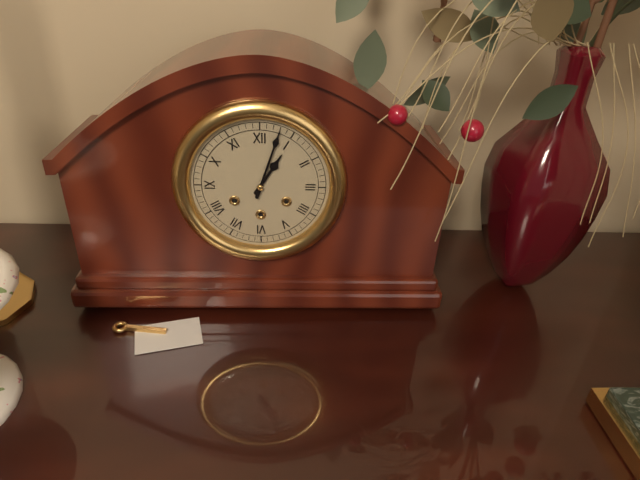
1:03
